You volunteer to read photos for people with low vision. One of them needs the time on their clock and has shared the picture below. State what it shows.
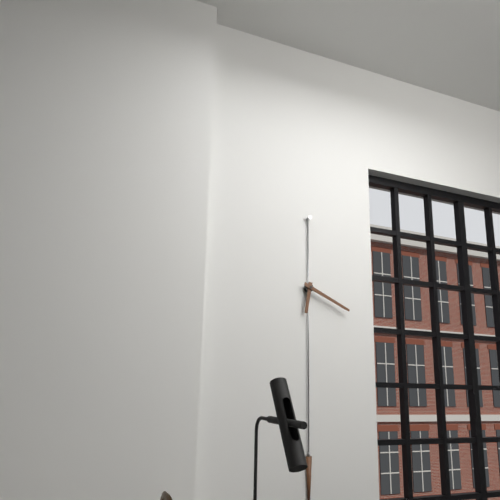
6:19
